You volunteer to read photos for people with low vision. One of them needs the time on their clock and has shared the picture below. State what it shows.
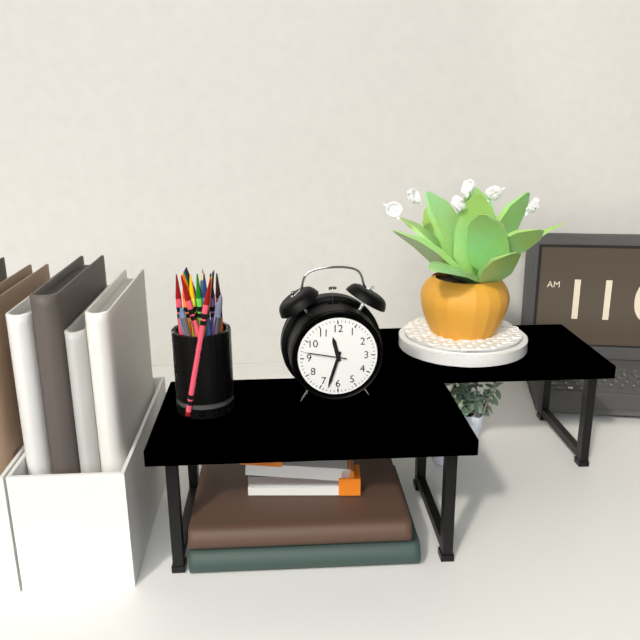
11:33
